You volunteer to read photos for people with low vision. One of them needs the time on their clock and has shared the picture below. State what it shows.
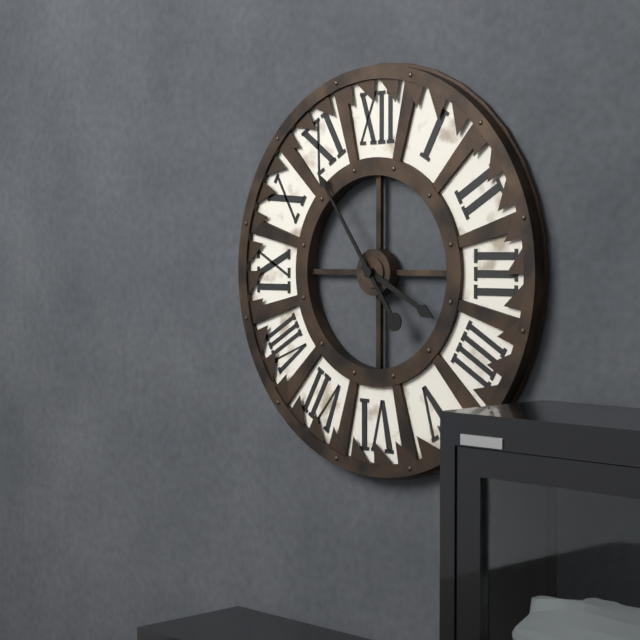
3:54
